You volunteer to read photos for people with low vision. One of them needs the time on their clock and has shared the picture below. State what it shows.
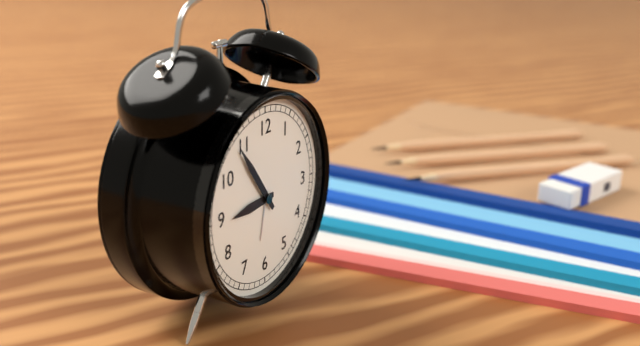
8:54
